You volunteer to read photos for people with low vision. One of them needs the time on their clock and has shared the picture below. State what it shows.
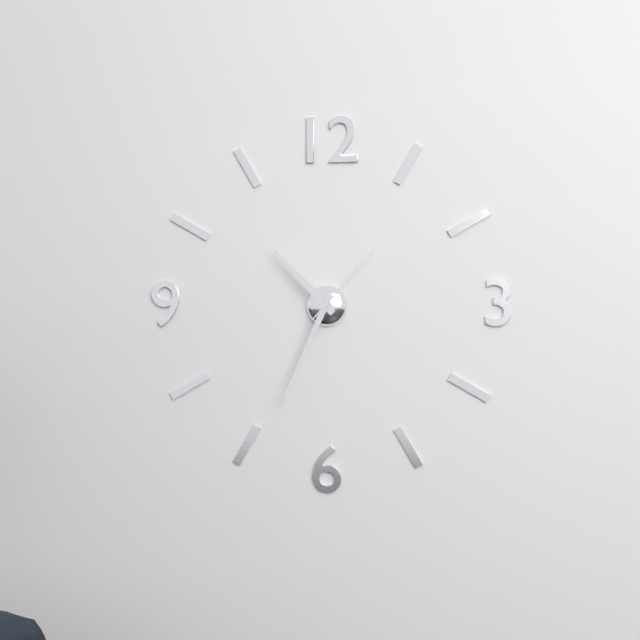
10:34:07
